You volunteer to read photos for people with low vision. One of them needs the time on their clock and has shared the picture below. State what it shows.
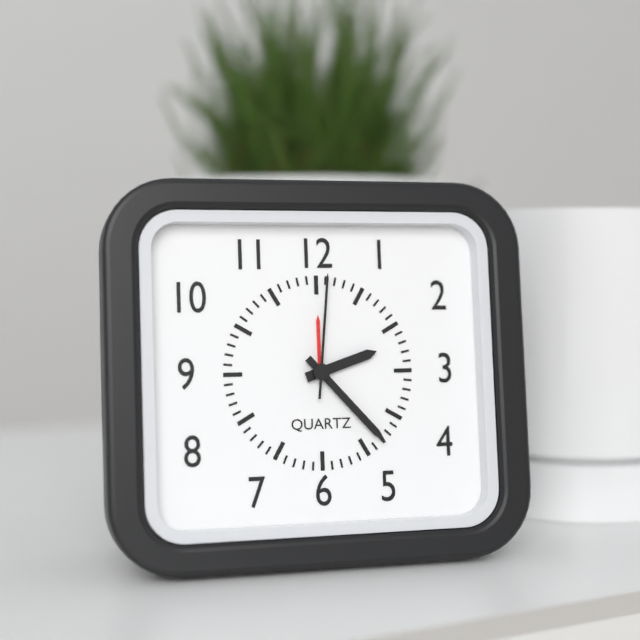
2:23:01
